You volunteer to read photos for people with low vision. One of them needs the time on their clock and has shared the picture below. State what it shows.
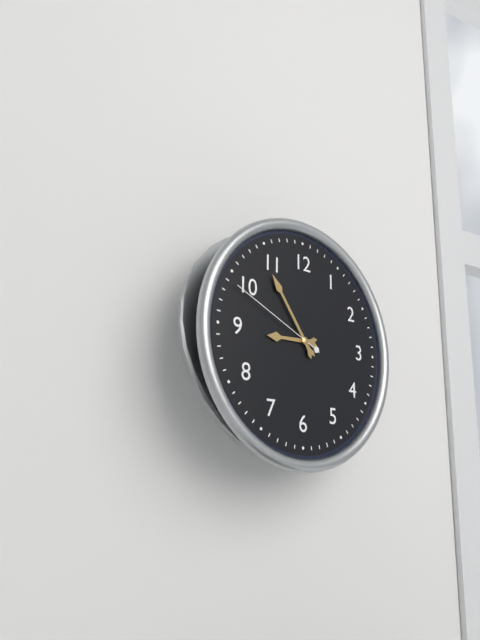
8:54:49
